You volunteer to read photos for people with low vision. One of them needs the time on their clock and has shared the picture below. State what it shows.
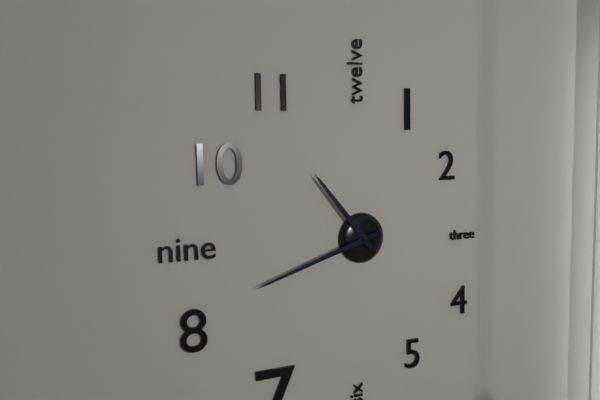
10:42
